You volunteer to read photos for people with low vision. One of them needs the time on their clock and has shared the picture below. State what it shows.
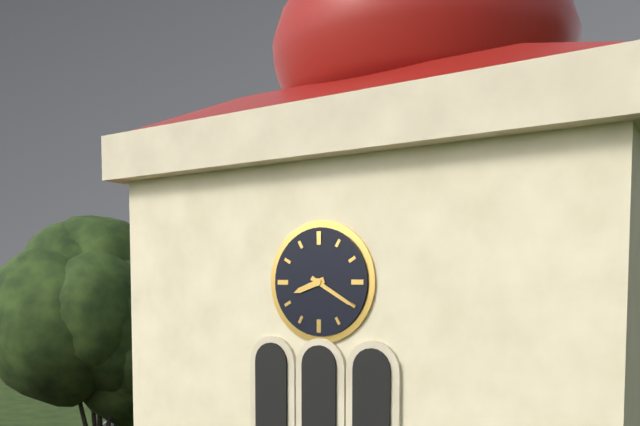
8:20
